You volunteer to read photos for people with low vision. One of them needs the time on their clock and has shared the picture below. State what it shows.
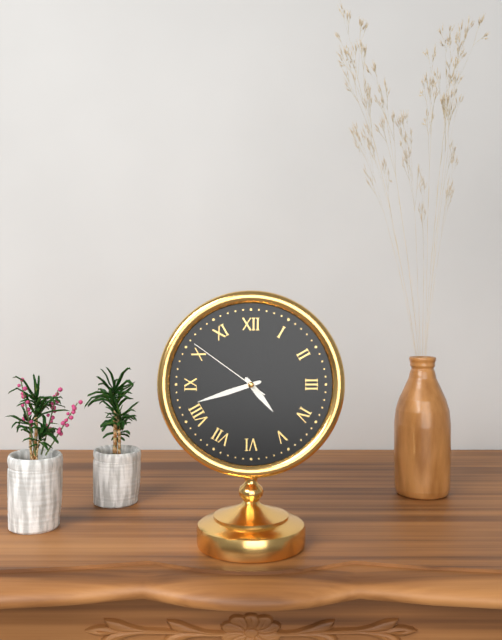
4:42:51
